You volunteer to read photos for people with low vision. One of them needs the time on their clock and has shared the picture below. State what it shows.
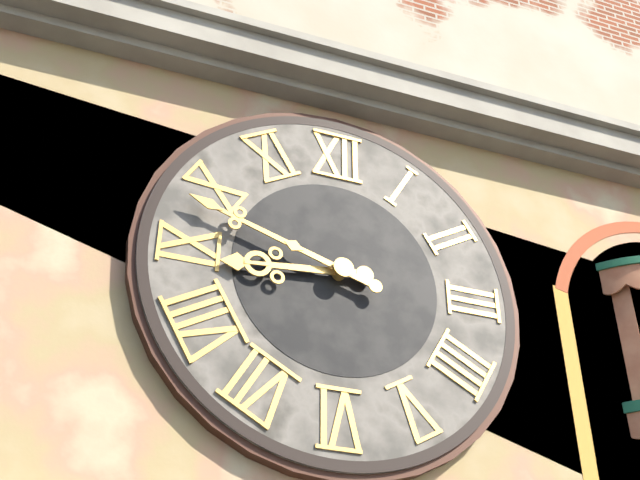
8:48
